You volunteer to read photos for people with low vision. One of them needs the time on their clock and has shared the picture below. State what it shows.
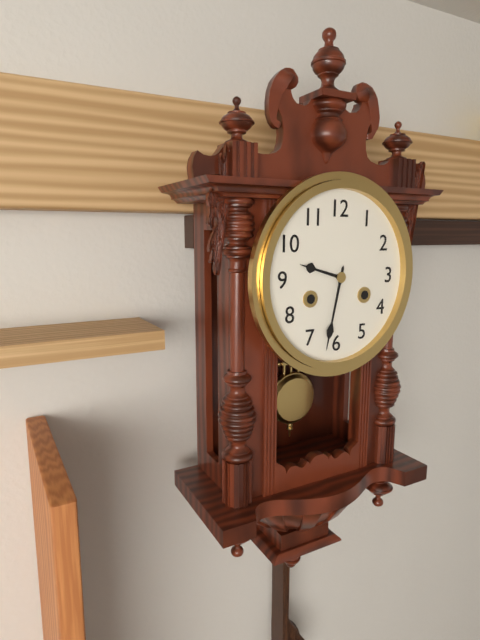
9:32
